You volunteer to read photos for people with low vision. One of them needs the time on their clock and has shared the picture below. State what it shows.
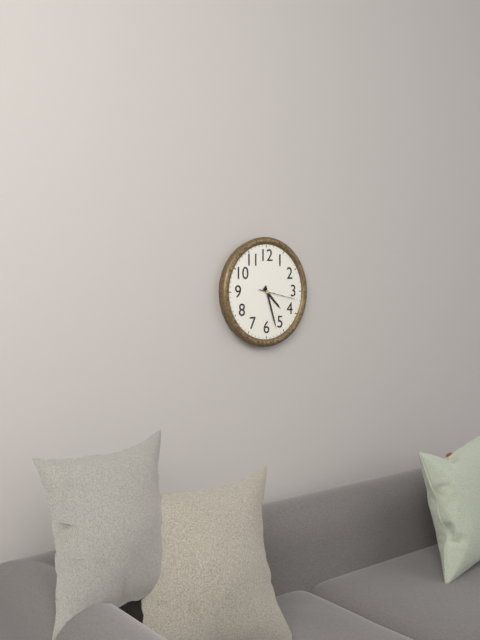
4:27
